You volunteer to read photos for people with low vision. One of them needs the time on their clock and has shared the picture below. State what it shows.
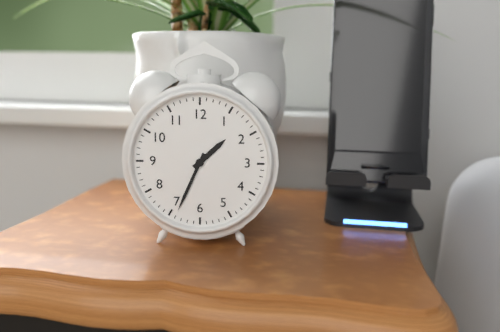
1:34
